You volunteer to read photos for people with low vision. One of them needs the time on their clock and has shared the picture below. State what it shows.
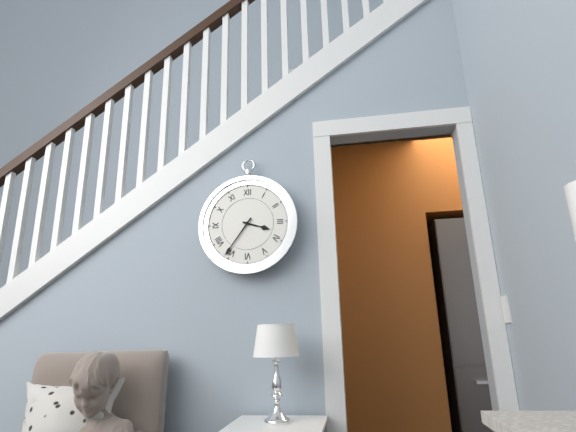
3:36
